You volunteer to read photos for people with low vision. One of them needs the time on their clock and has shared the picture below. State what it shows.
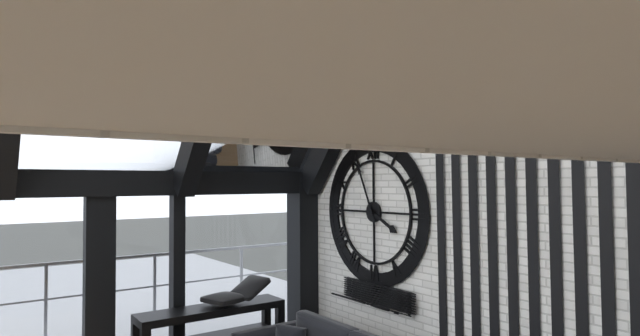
3:56
